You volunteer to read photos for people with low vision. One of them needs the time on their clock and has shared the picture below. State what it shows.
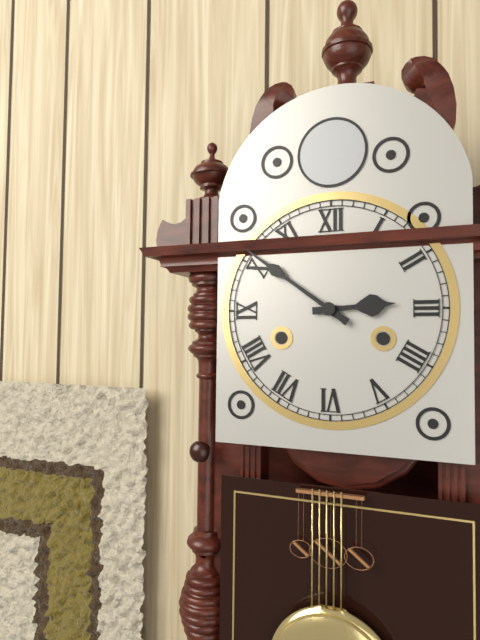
2:51
